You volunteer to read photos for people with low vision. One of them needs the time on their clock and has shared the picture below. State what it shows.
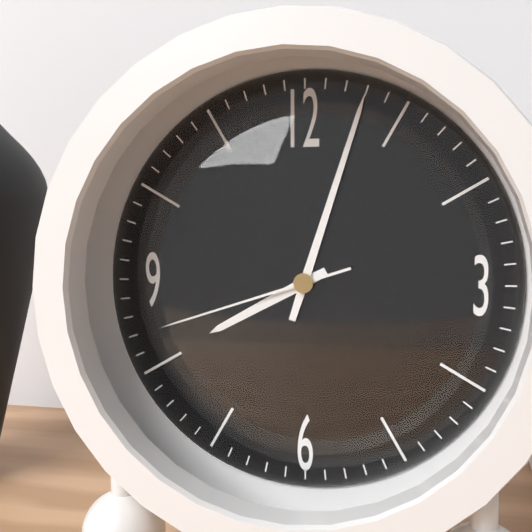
8:03:42
